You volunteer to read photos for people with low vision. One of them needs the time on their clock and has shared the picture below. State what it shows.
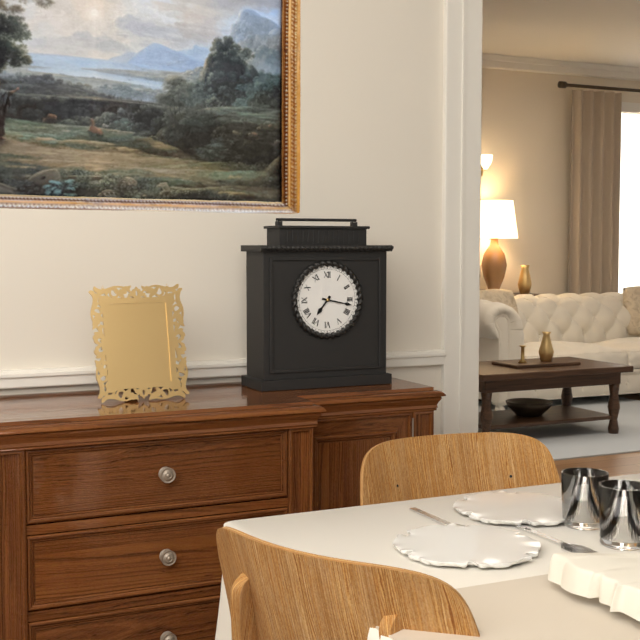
7:17
